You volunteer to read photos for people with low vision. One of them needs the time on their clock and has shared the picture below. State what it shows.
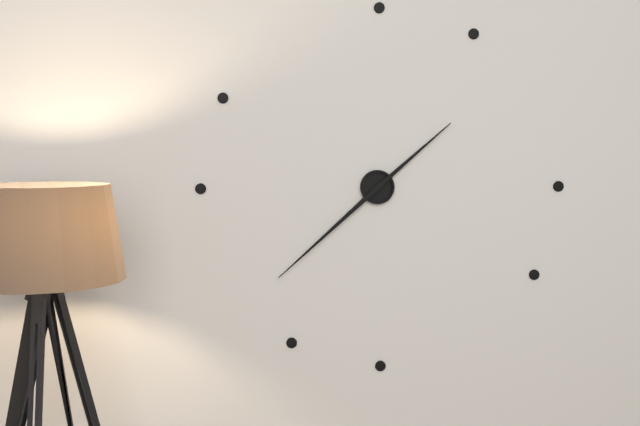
1:38
